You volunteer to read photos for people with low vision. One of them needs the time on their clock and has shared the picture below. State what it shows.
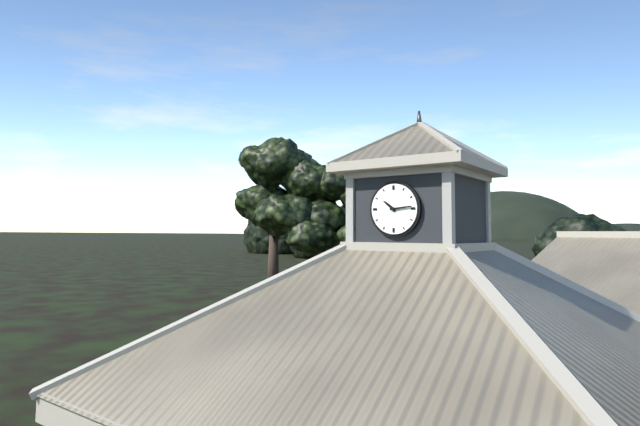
10:14
